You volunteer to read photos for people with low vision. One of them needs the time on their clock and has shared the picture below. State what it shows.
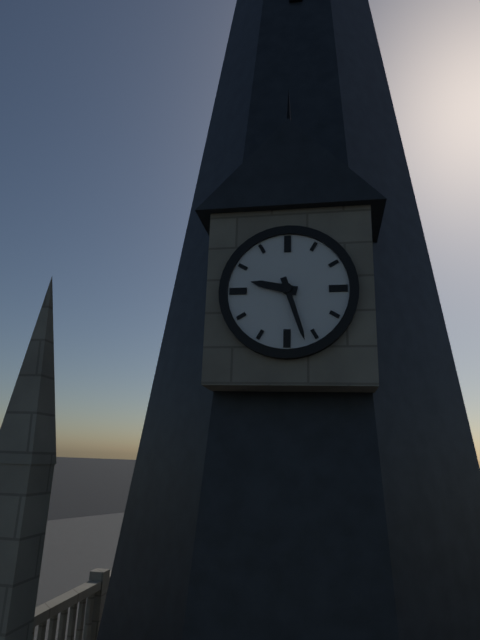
9:27
